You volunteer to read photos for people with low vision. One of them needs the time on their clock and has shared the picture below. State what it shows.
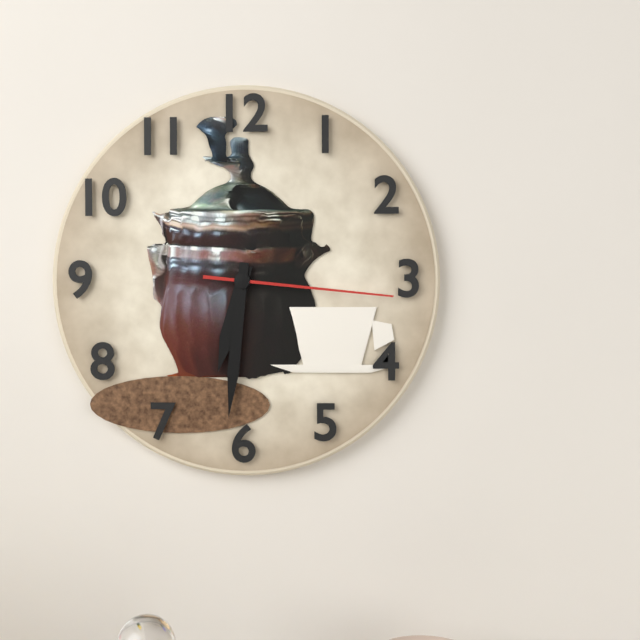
6:31:16
